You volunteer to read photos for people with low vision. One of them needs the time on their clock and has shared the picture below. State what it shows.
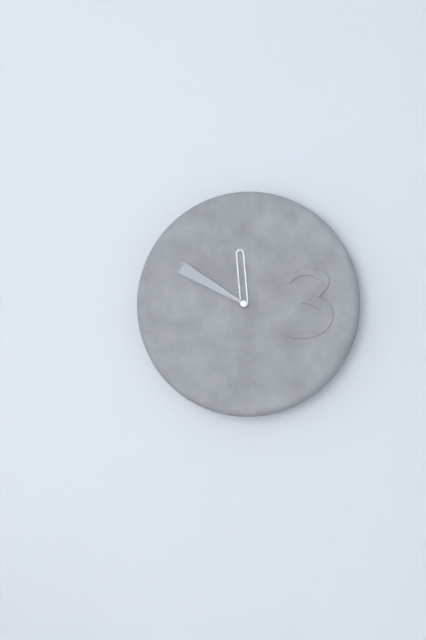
11:50
